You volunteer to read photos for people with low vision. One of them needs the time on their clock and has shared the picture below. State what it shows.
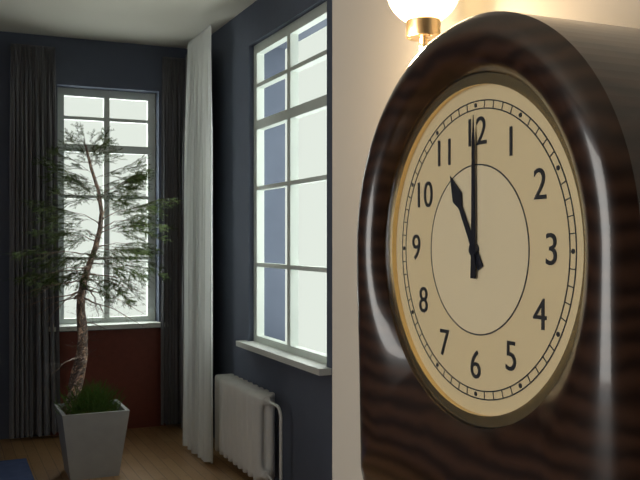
11:00
